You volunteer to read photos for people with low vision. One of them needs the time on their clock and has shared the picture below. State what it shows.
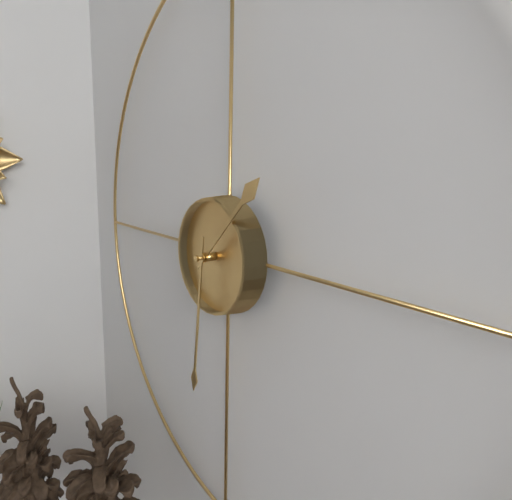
1:31
